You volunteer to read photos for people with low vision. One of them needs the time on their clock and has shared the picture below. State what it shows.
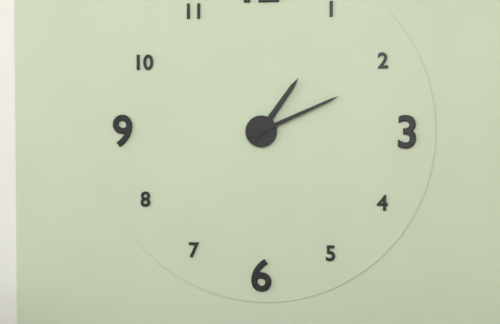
1:11
